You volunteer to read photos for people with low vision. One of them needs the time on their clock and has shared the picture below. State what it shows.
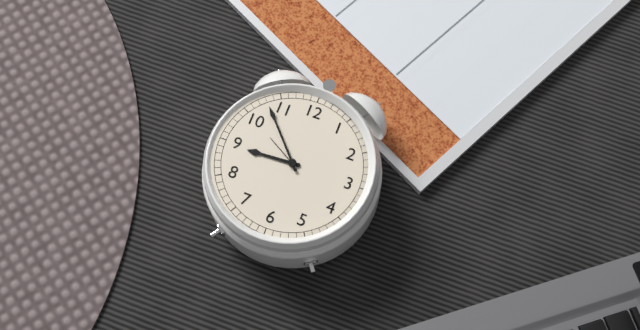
8:53
